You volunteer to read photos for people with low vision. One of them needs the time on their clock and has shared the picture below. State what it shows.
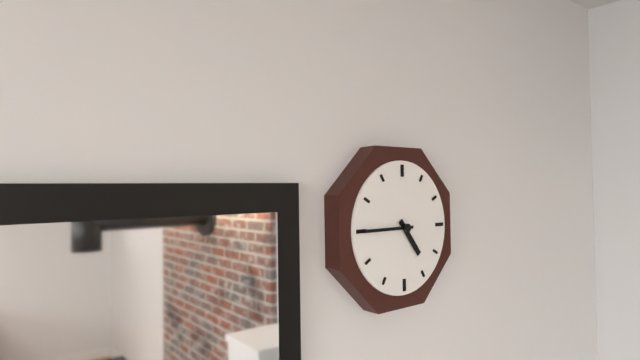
4:45
